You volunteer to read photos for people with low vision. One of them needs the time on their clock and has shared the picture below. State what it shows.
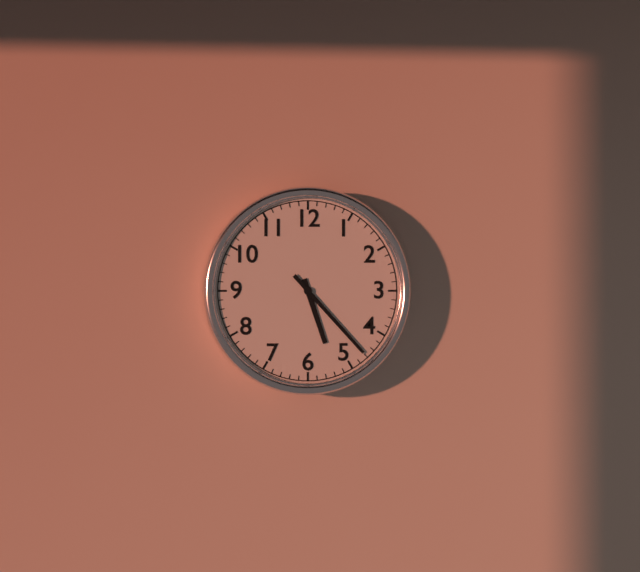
5:23
